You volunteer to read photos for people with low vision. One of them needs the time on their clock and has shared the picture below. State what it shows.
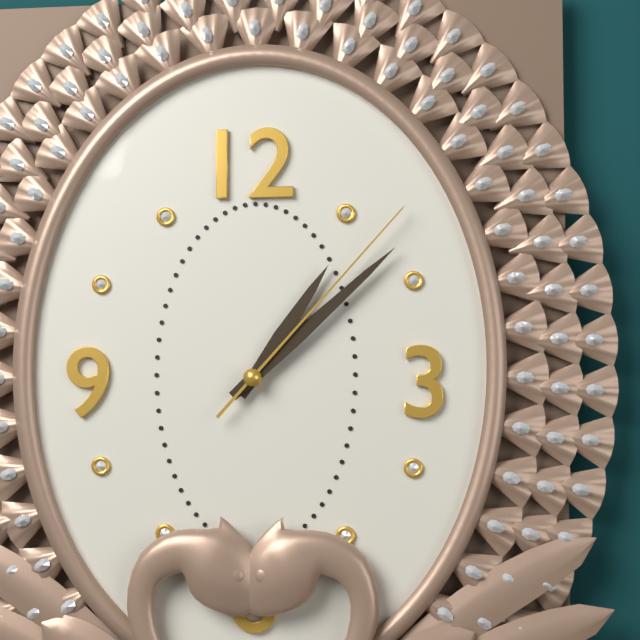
1:08:07
